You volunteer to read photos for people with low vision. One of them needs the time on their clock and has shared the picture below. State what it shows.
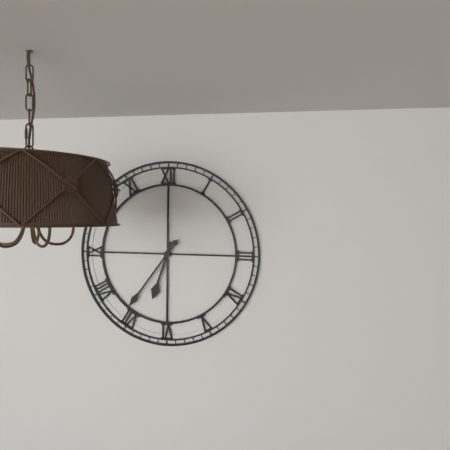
6:36
